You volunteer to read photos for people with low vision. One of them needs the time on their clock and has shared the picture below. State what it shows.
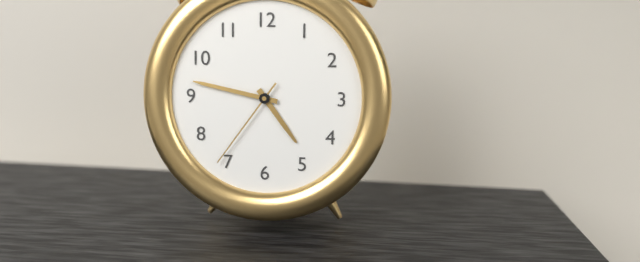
4:47:36
